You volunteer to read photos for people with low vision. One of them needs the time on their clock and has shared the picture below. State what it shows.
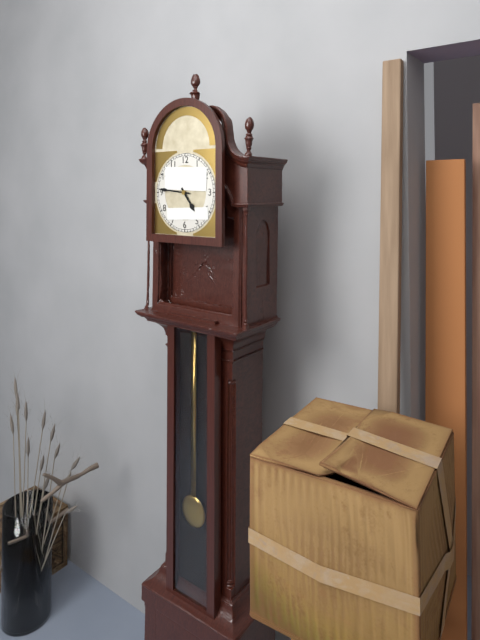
4:46
